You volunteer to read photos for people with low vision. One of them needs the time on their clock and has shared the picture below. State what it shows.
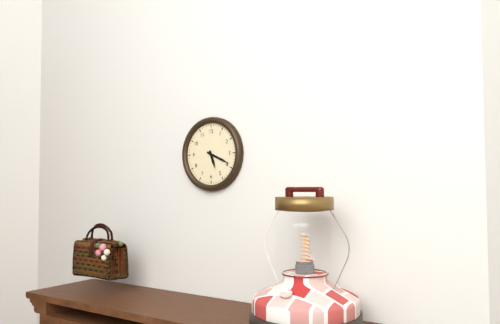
5:19
